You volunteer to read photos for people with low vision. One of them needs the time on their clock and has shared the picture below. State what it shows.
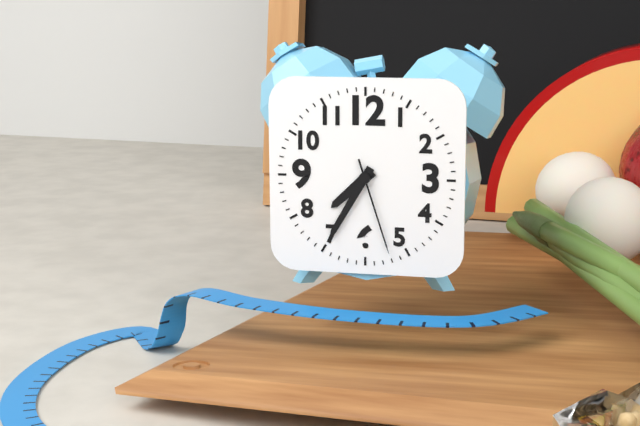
7:35:27
